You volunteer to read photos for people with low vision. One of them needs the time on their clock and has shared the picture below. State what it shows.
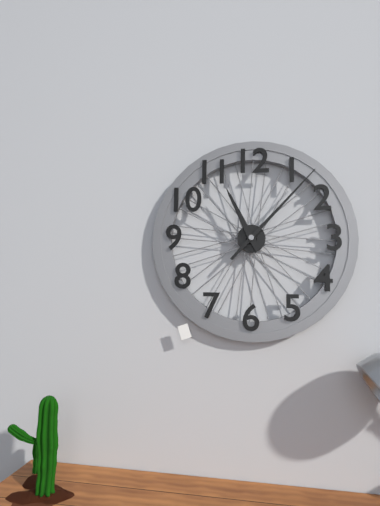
11:07
